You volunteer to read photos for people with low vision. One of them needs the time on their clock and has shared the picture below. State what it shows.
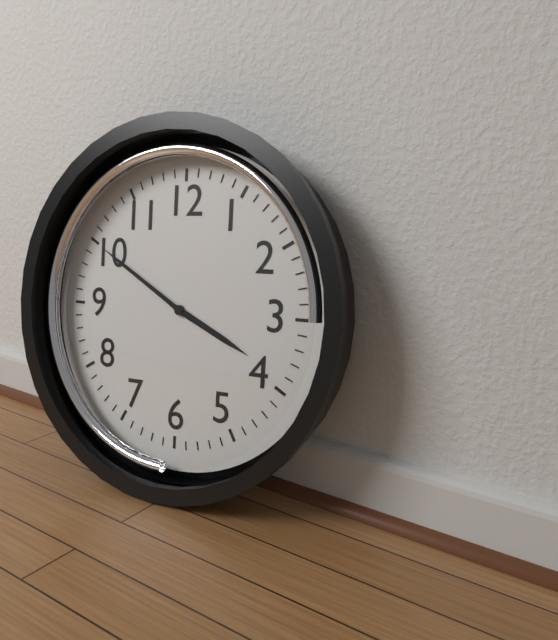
3:50
